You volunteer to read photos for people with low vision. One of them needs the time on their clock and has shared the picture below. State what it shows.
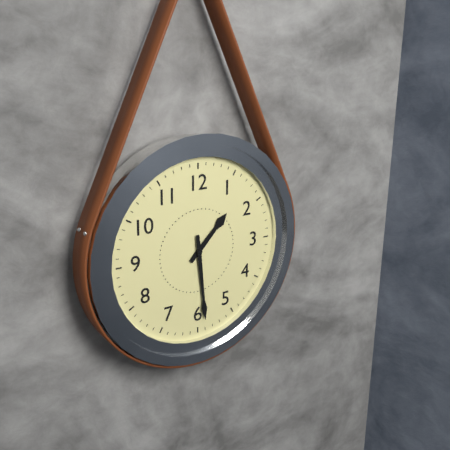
1:29
